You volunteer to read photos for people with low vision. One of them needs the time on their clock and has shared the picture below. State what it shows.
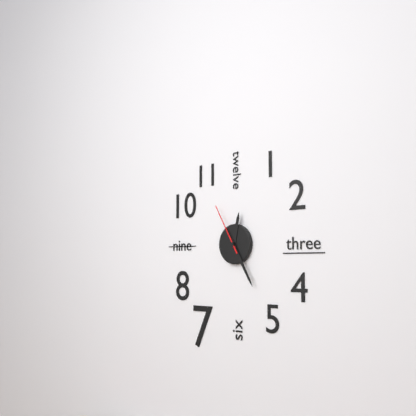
12:25:55
